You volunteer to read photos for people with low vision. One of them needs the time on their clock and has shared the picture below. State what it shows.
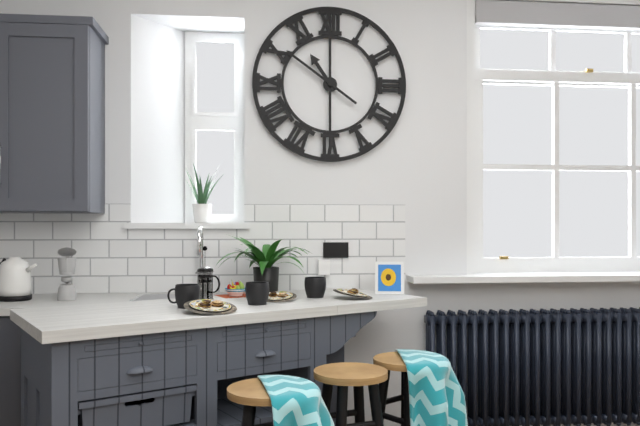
10:51
